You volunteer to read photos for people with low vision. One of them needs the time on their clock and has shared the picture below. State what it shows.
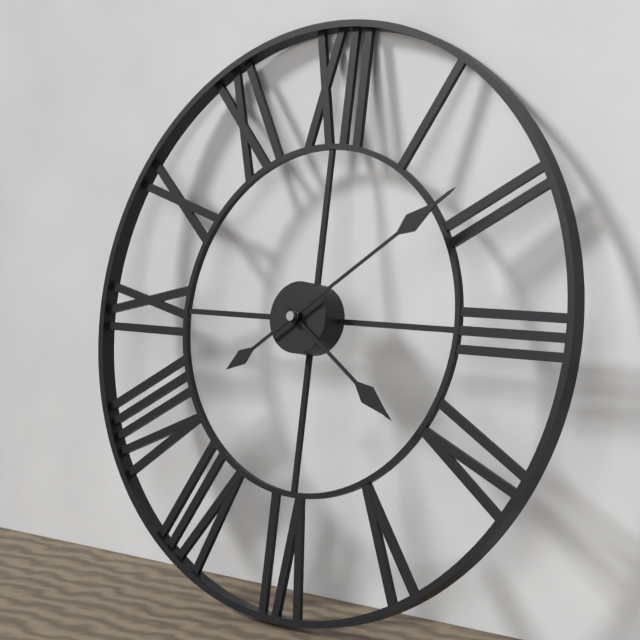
4:09
